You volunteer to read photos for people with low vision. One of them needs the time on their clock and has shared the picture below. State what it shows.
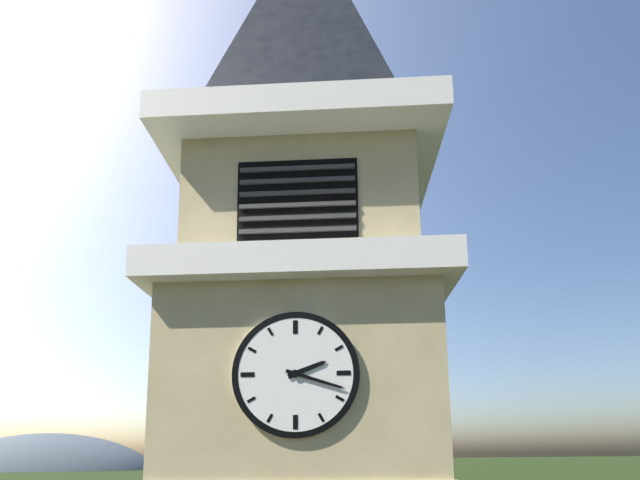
2:18
